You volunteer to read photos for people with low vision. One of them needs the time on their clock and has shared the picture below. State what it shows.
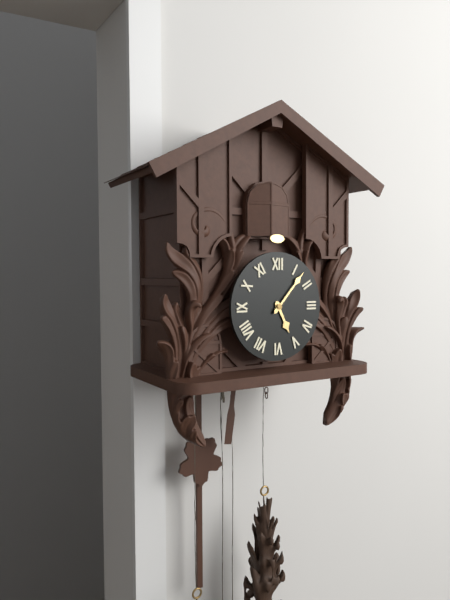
5:07
